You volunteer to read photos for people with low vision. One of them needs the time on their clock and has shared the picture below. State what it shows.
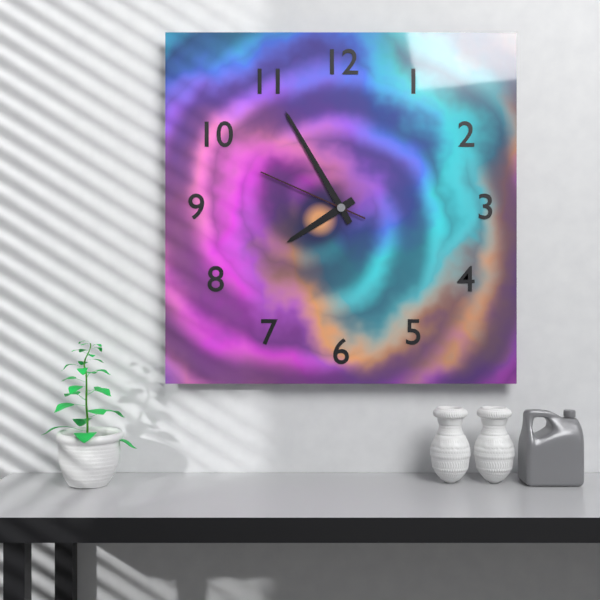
7:55:49
